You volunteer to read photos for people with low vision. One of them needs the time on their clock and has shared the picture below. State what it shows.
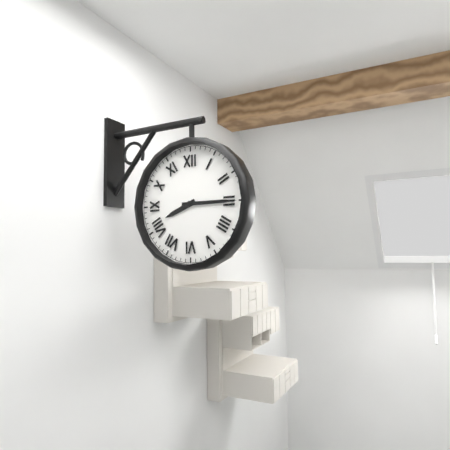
8:15
